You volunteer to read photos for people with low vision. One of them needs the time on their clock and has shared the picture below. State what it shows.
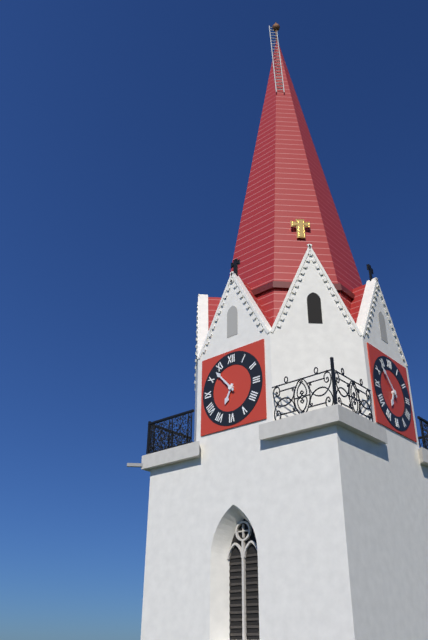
6:53
